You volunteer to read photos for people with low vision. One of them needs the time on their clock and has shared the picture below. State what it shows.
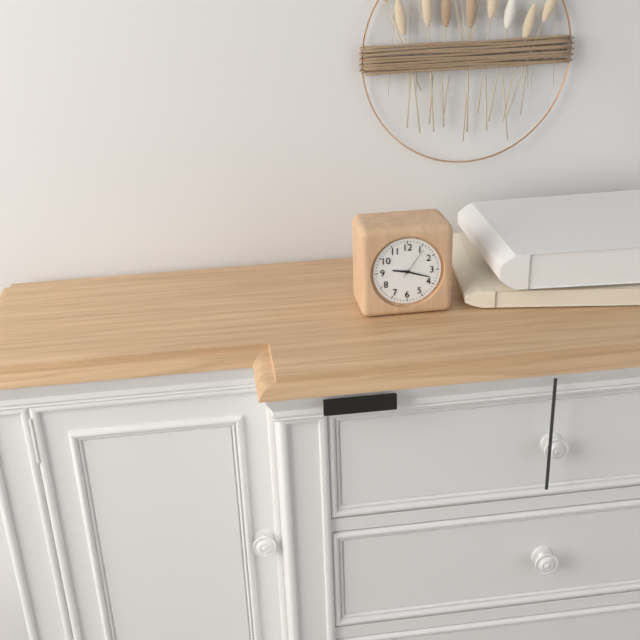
9:18
